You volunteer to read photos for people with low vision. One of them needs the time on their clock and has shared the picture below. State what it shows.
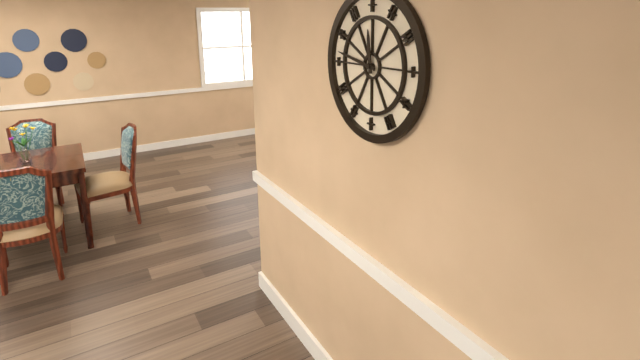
11:47
